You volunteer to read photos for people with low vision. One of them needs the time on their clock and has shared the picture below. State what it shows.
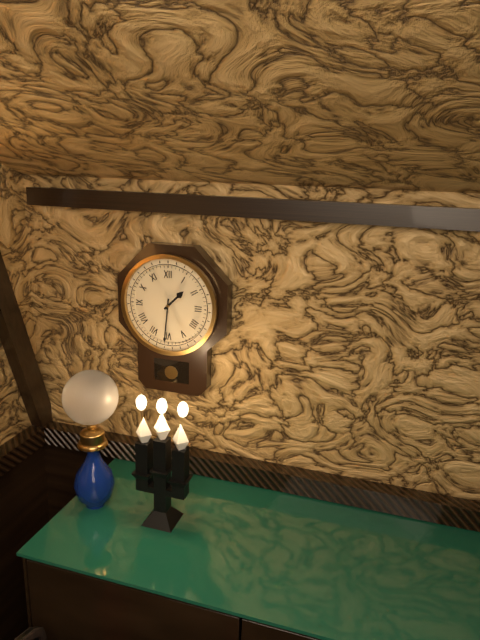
1:31
